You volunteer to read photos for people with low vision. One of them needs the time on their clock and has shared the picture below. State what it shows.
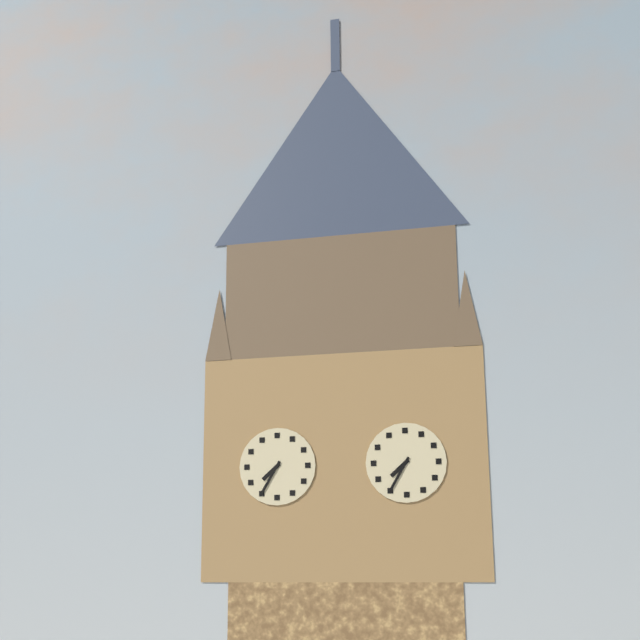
7:35
